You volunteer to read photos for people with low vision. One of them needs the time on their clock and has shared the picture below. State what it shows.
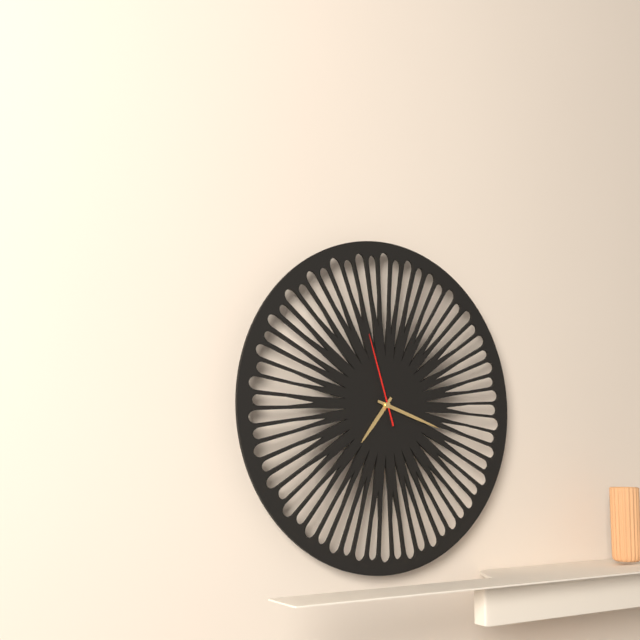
7:18:57
